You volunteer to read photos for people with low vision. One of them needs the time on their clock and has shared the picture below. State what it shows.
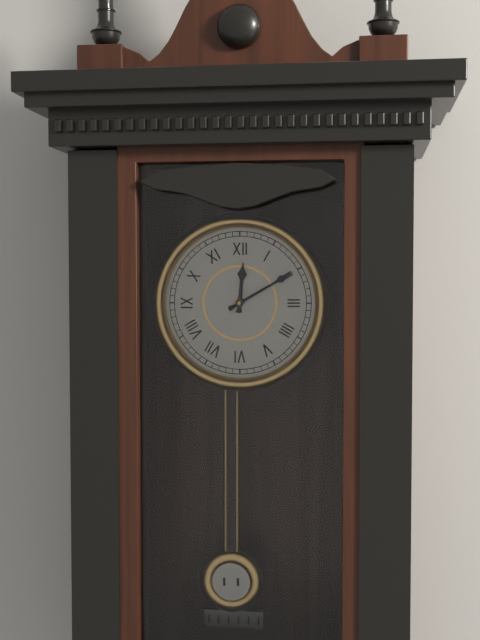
12:10
